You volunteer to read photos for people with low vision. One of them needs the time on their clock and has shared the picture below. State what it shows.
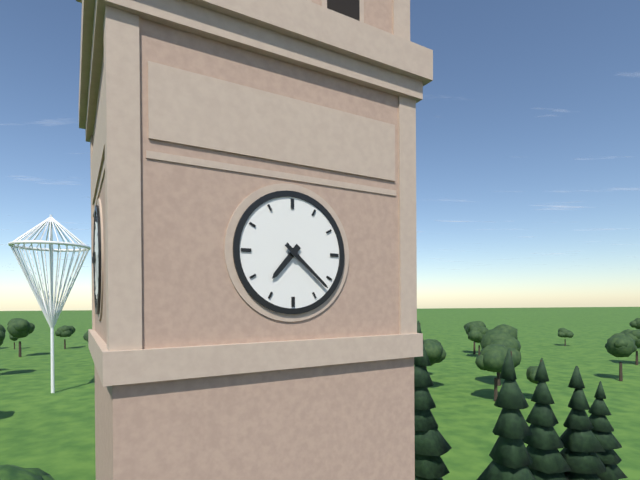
7:22
